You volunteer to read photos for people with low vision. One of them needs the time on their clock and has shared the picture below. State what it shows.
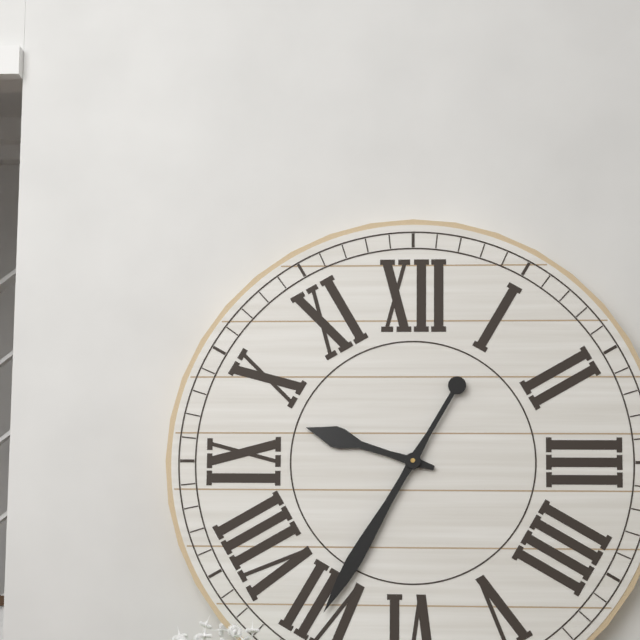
9:35
